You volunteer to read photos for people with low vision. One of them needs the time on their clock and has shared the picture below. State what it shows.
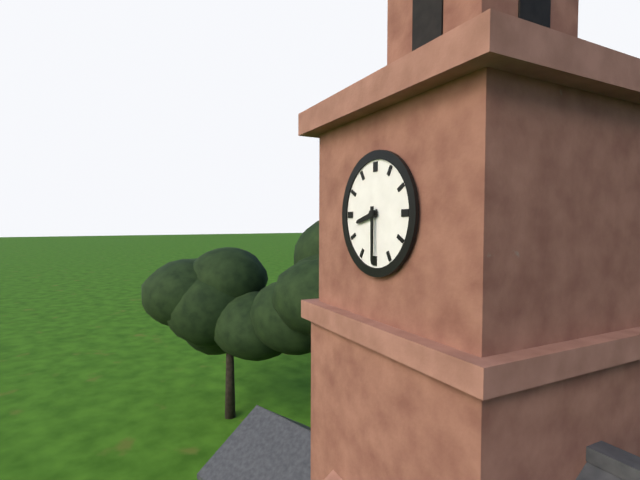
8:30
